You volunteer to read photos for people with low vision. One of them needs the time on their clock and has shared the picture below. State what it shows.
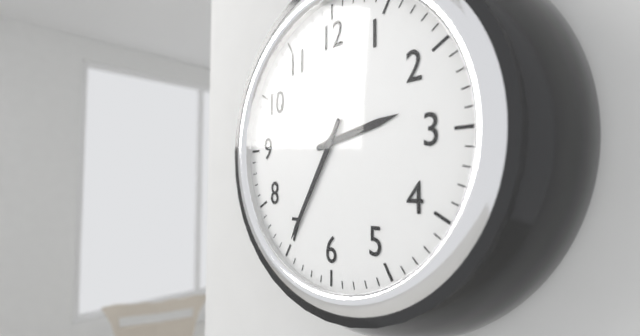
2:35
